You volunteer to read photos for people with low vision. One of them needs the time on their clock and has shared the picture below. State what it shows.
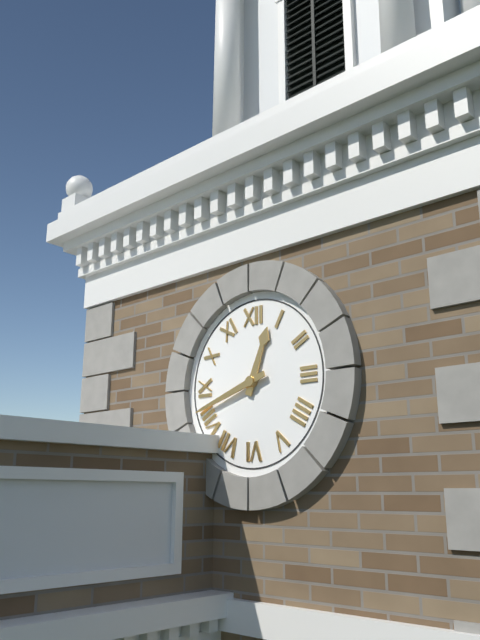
12:42
